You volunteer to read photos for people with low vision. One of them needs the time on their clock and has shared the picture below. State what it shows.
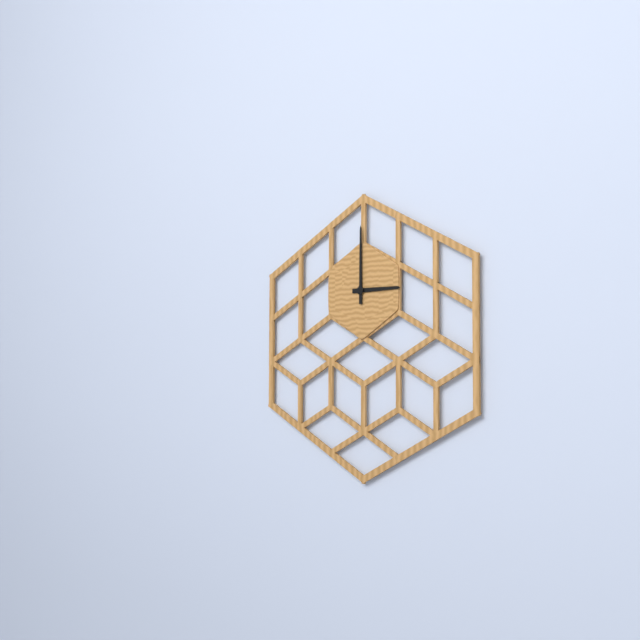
3:00
